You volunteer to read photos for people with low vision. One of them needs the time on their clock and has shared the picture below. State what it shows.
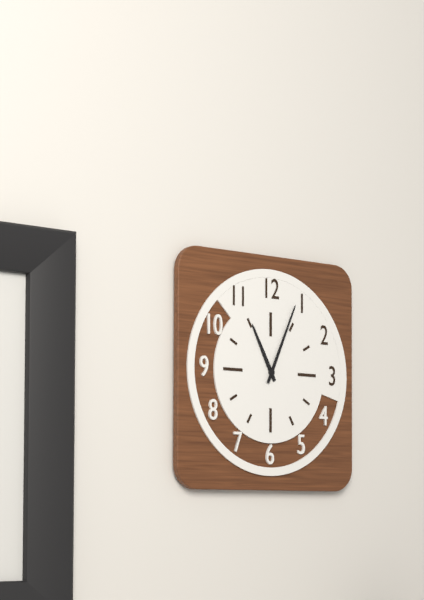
11:04
